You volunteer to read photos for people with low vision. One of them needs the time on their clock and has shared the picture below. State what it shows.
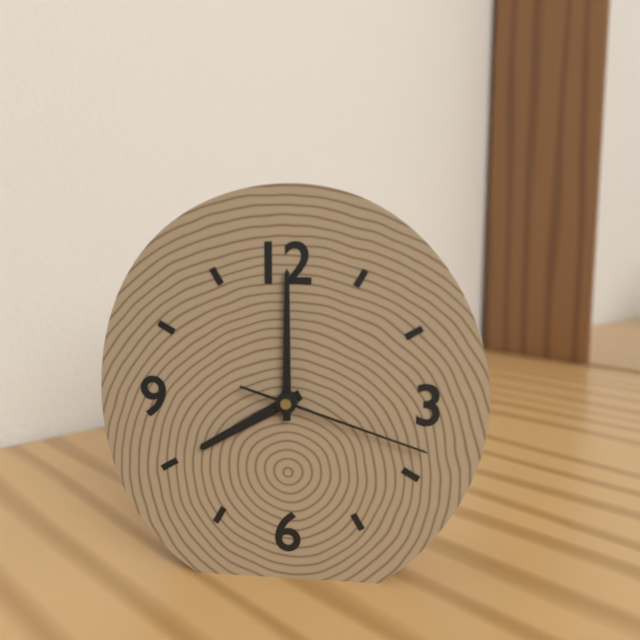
8:00:18
